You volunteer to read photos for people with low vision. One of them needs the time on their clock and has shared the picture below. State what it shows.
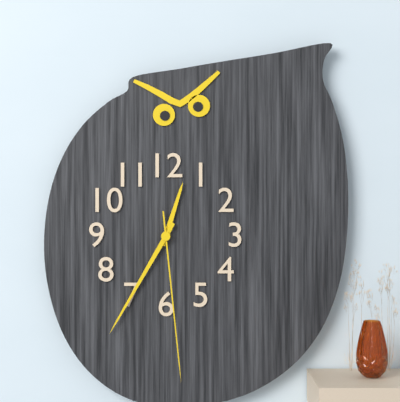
12:35:29
